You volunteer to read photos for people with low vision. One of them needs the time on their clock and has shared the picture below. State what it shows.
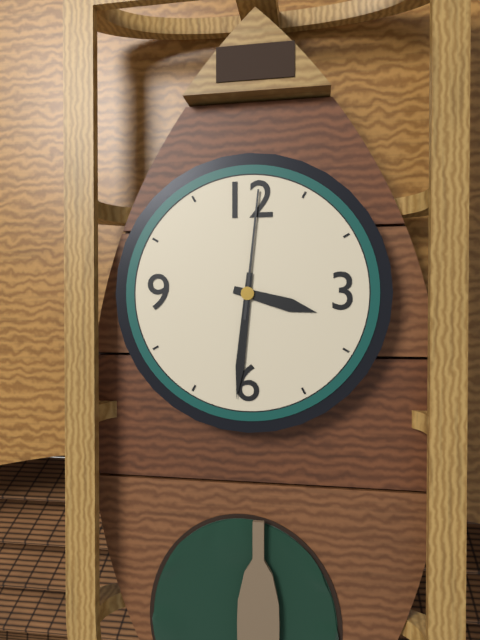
3:31:01
